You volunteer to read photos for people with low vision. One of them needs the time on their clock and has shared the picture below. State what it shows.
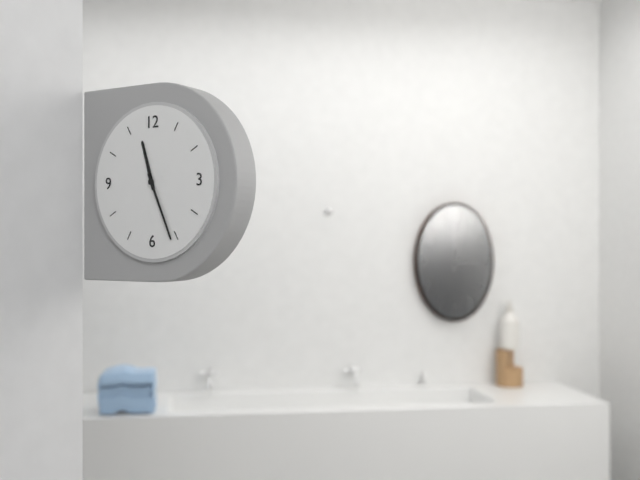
11:26
